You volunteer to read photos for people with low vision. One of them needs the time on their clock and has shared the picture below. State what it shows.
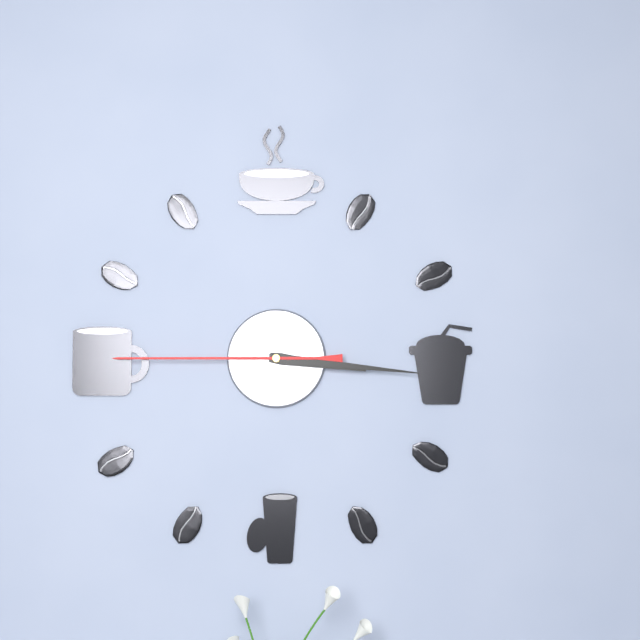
3:16:45
